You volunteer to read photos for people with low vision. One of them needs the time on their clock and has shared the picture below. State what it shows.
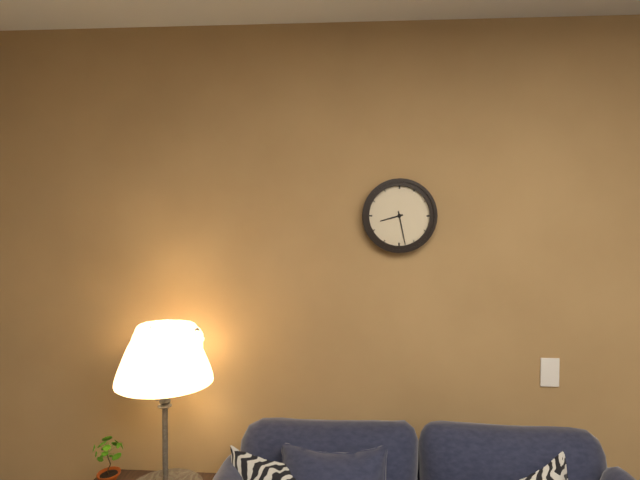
8:28
